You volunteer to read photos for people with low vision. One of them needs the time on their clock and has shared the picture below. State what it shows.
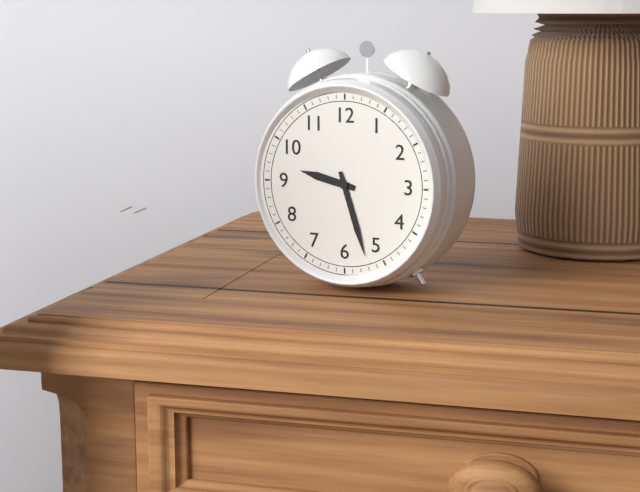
9:27
